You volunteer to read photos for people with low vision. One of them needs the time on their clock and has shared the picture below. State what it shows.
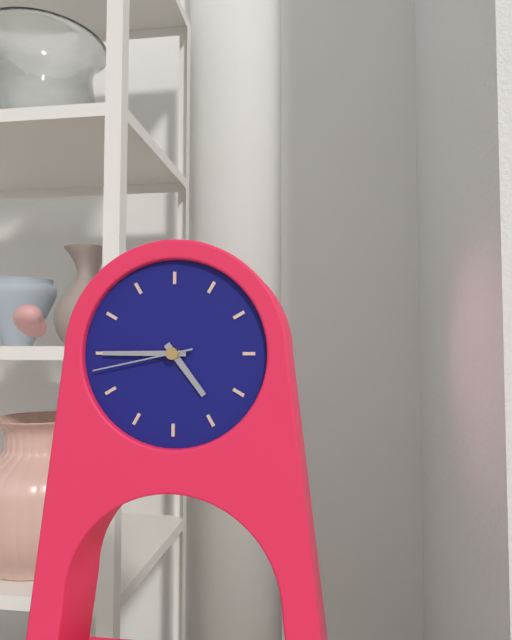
4:45:43
